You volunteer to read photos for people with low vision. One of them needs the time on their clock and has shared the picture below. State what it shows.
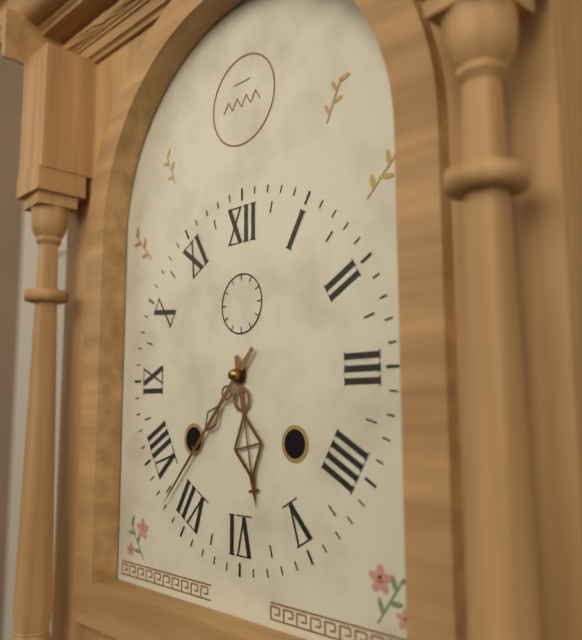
5:37
